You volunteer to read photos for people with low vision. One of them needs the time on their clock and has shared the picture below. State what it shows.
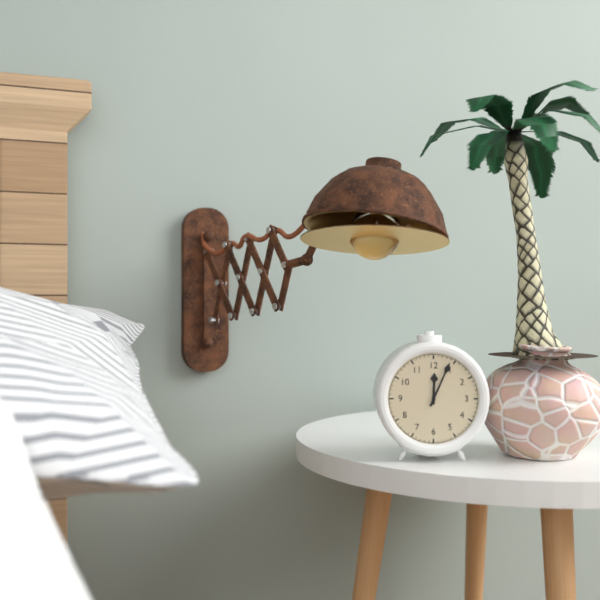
12:04
